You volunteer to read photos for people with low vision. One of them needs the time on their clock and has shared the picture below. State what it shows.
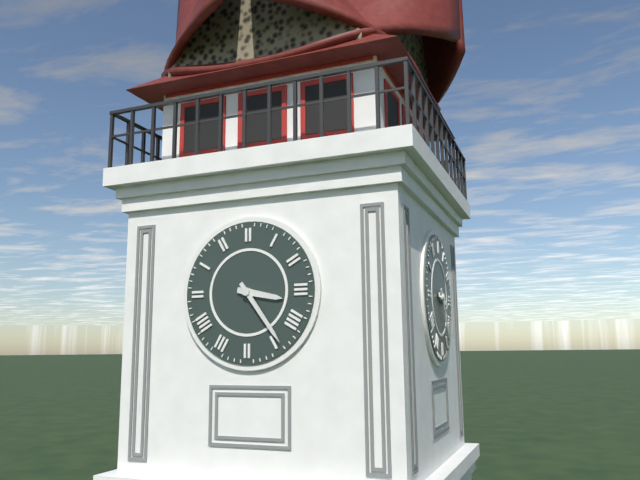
3:24
